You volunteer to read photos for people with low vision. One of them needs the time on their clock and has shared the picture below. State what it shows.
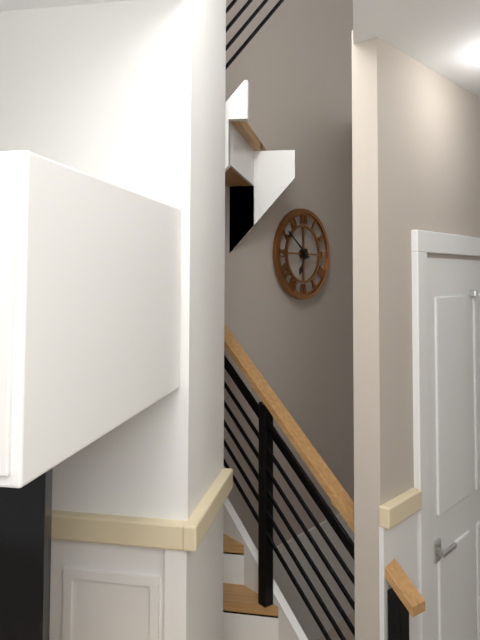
6:51
